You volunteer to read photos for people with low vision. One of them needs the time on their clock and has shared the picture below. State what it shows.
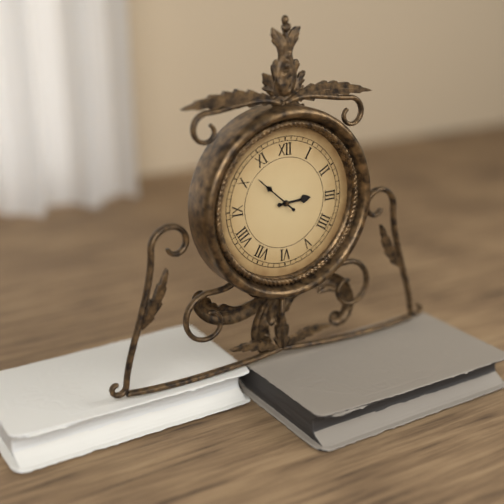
2:52
